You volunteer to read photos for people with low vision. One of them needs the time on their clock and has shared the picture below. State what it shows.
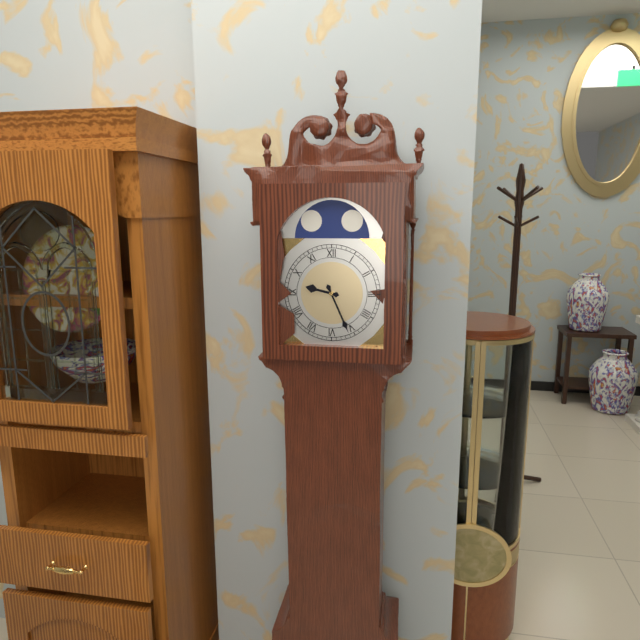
9:26
